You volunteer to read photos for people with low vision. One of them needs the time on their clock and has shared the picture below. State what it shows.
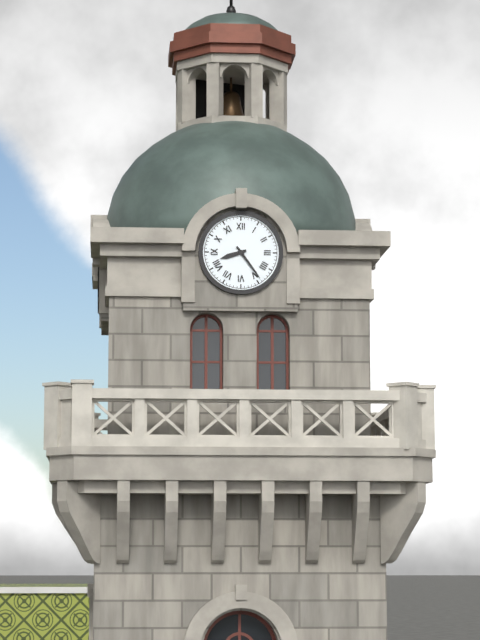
8:24
